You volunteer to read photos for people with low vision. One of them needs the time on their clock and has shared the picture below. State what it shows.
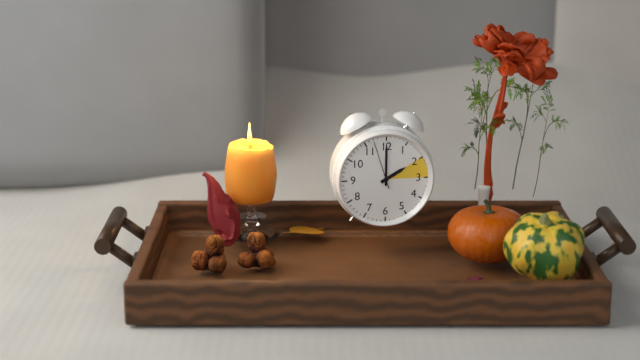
2:00
